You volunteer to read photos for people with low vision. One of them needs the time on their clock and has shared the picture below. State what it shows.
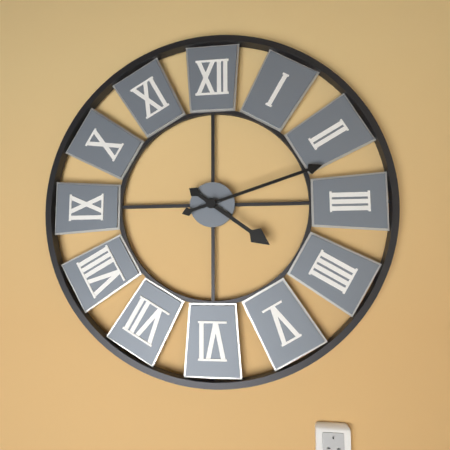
4:12
